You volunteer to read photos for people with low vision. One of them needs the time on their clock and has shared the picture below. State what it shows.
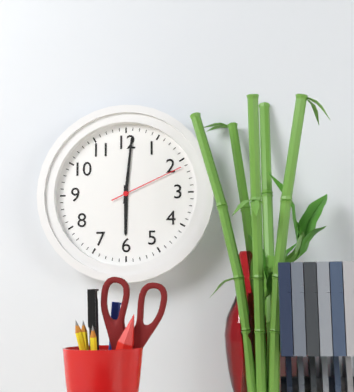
6:01:11
